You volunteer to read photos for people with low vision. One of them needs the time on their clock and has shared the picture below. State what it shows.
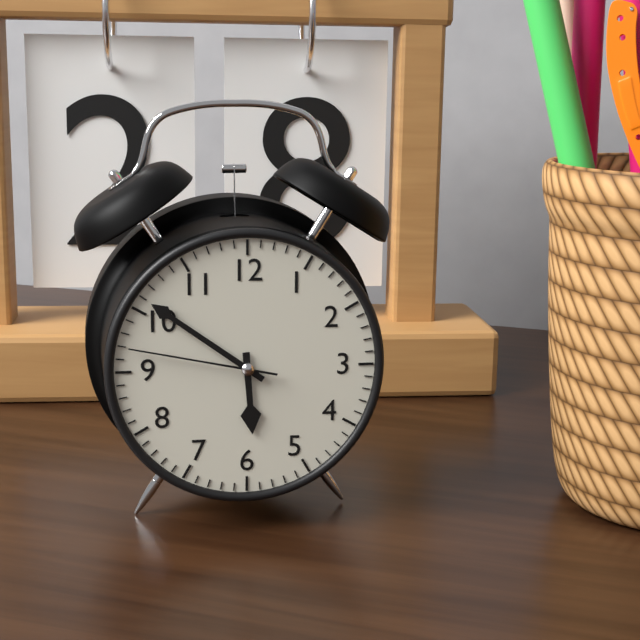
5:51:47
